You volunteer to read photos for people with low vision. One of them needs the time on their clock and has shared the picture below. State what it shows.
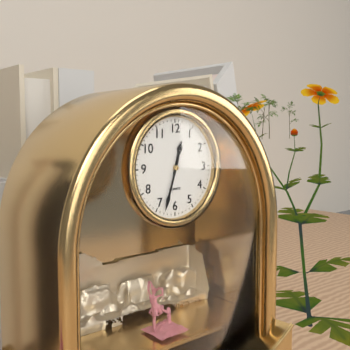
12:33
